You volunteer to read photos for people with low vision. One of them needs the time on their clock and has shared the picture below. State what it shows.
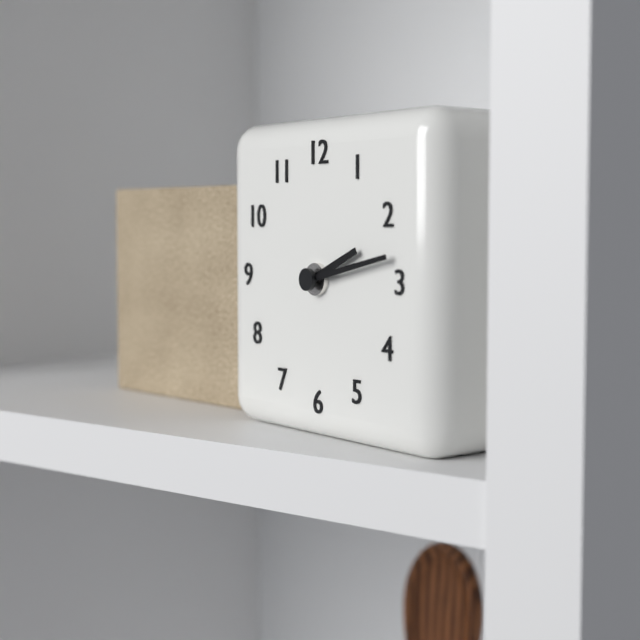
2:13
